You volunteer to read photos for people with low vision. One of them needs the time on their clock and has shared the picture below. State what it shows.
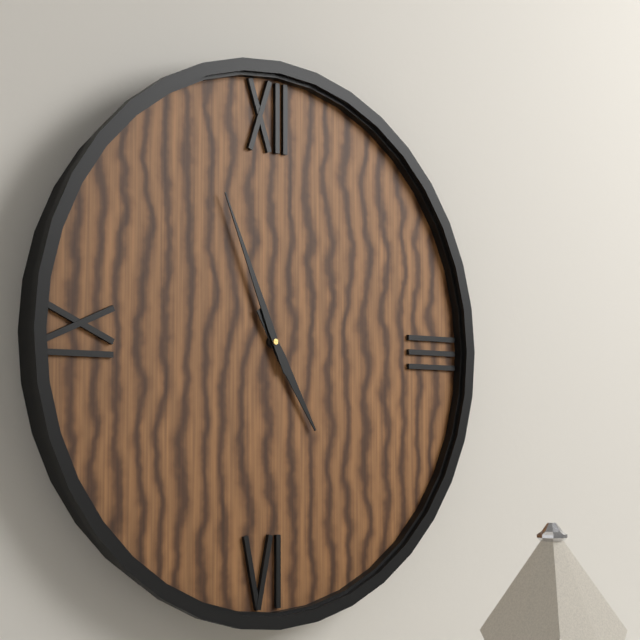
4:56
